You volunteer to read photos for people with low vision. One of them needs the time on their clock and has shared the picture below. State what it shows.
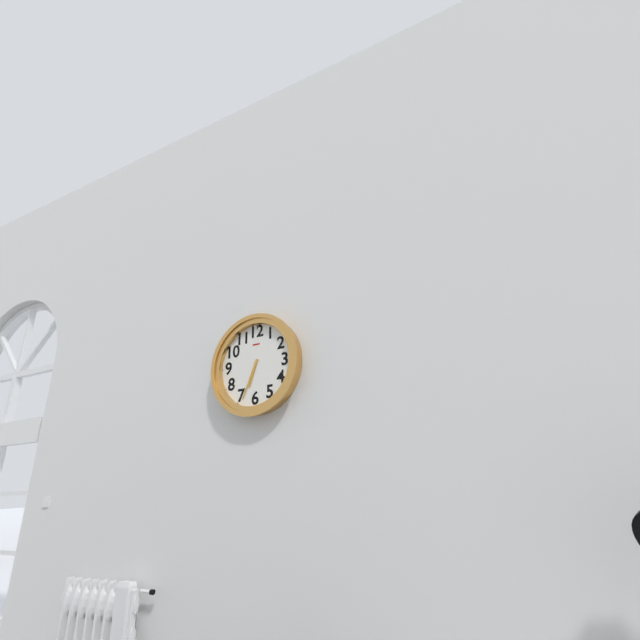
6:34
